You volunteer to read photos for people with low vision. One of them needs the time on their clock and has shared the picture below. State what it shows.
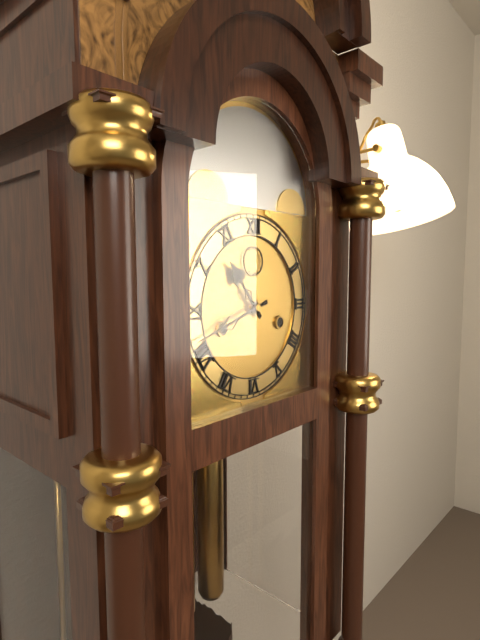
10:42
